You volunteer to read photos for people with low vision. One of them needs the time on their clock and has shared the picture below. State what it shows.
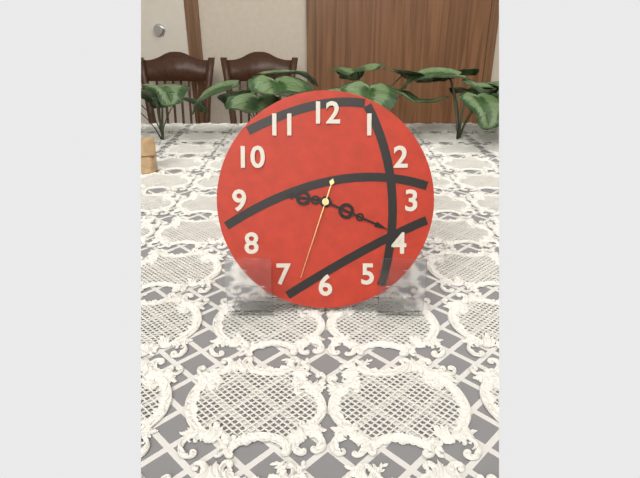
9:19:33
